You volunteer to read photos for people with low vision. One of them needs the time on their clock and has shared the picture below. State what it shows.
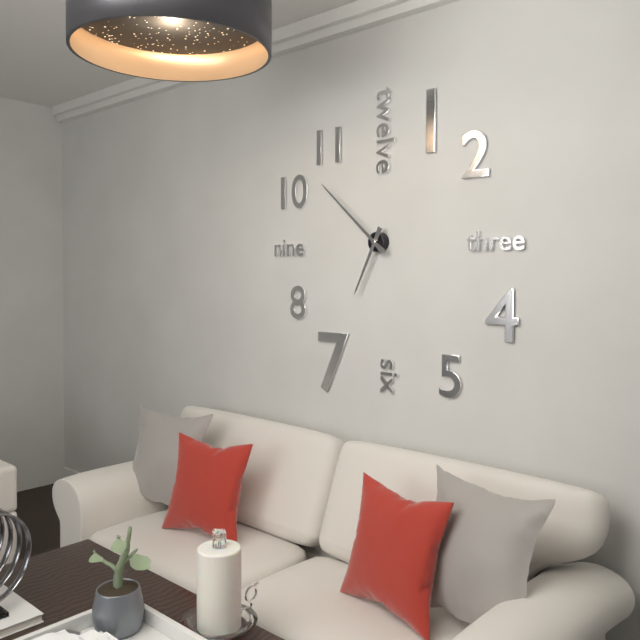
6:52
